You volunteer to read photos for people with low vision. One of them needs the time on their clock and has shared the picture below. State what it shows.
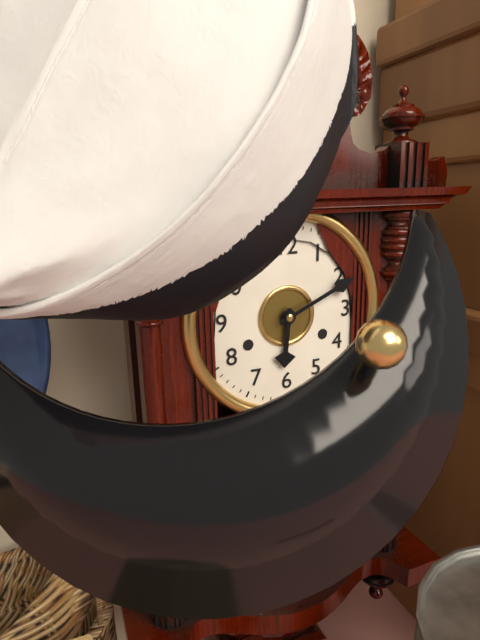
6:11
